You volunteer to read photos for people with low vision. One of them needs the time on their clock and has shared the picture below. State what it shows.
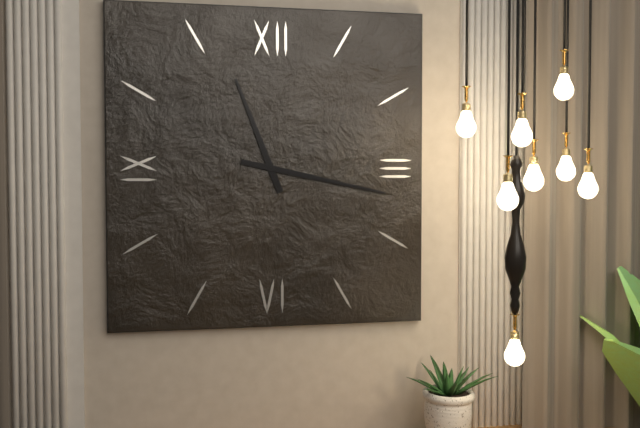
11:17
